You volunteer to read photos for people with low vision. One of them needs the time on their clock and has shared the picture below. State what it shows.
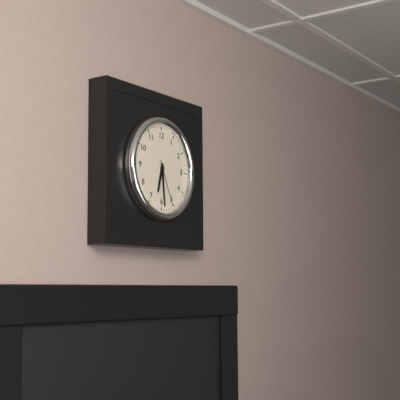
6:29
